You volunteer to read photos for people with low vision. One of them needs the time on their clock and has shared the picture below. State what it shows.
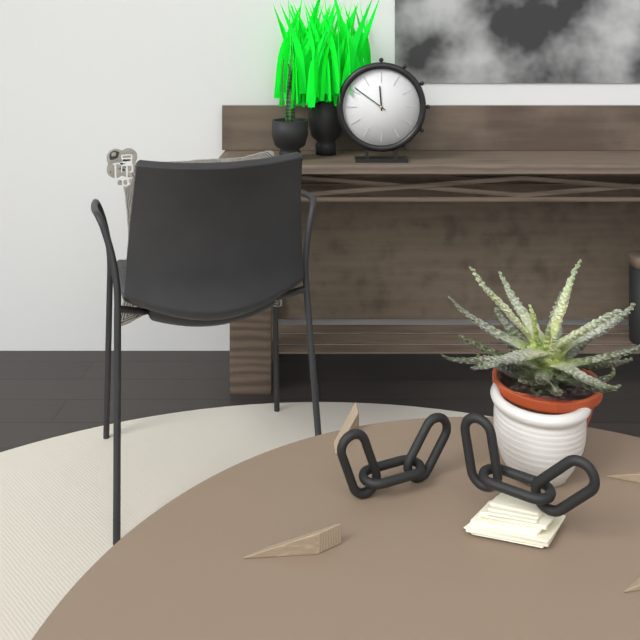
11:51
